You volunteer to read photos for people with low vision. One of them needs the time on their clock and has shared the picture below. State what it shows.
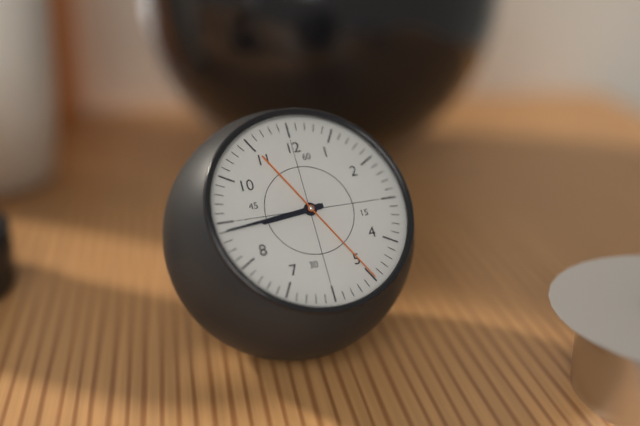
8:44:25
